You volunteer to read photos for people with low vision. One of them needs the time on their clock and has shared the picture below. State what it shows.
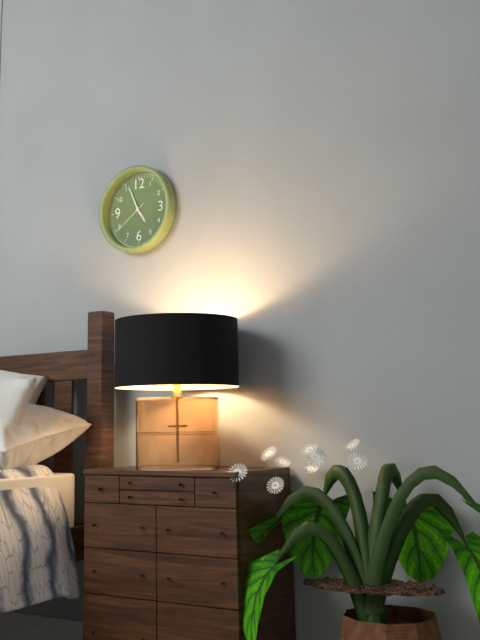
4:56
